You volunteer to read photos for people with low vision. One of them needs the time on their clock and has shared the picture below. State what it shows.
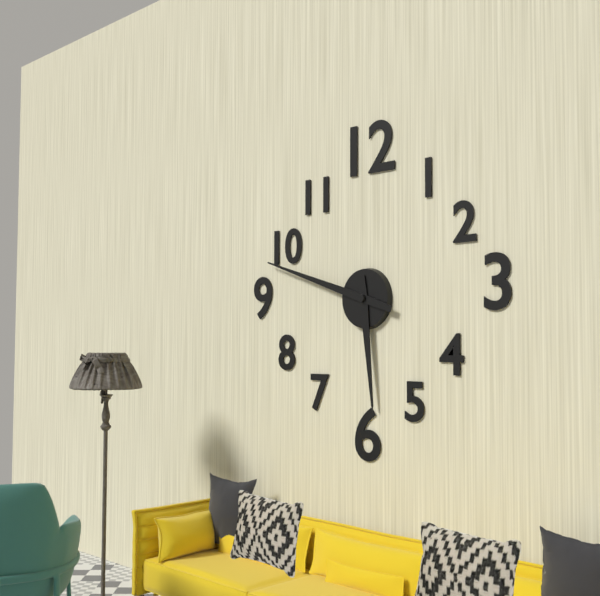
5:48
